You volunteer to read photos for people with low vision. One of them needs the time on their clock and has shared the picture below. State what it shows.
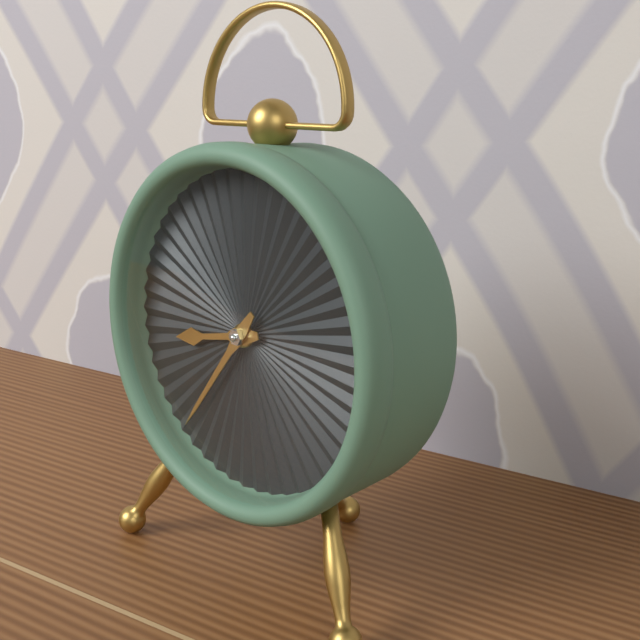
8:36
